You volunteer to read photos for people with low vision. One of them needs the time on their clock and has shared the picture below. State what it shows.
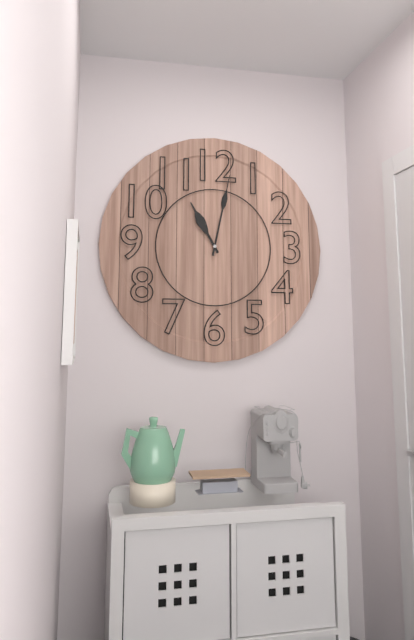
11:02
